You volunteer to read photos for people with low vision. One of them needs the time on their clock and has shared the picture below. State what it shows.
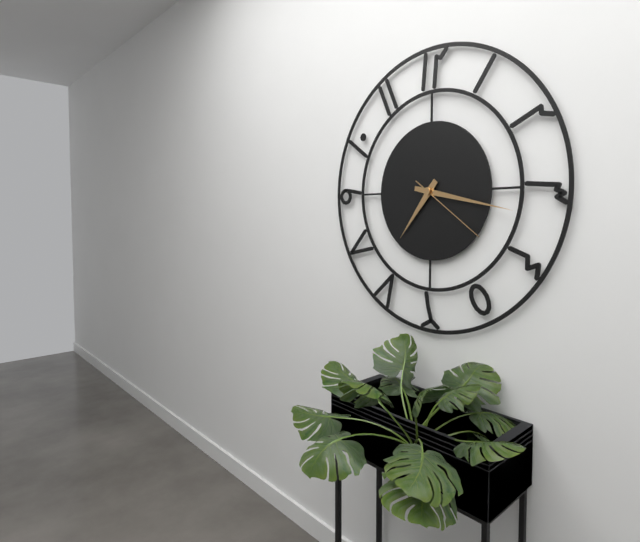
7:17:21
